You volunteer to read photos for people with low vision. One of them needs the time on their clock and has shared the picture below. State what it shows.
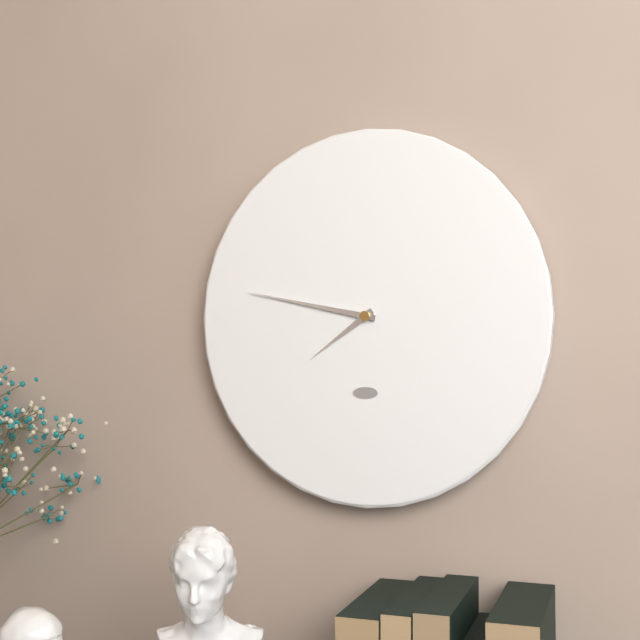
7:47
